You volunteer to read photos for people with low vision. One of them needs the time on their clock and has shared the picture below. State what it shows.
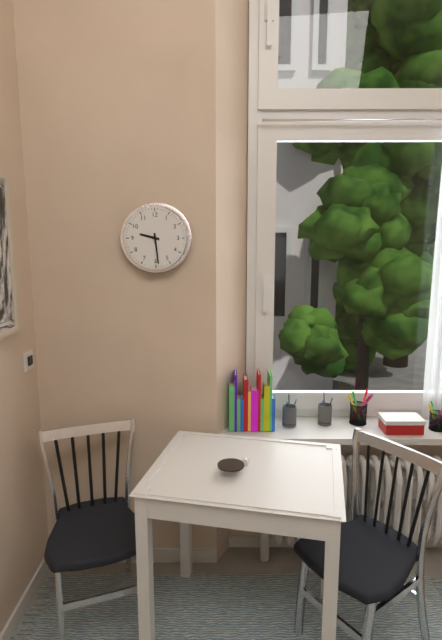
9:29
